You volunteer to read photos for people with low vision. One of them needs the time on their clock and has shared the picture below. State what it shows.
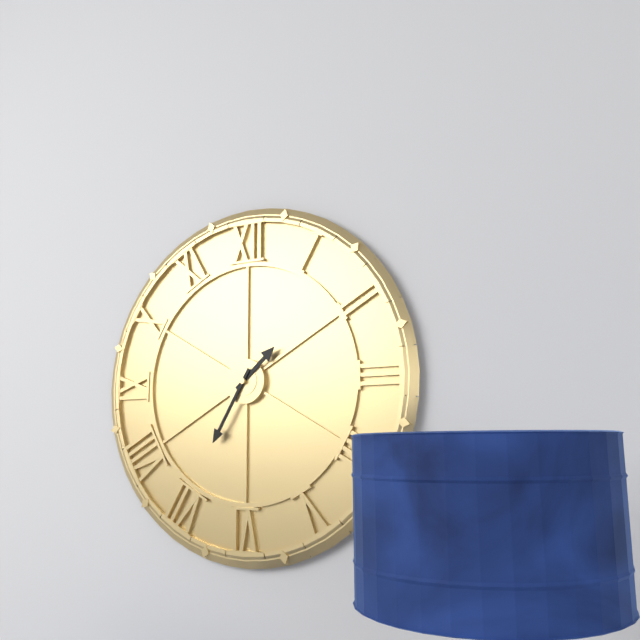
1:35
